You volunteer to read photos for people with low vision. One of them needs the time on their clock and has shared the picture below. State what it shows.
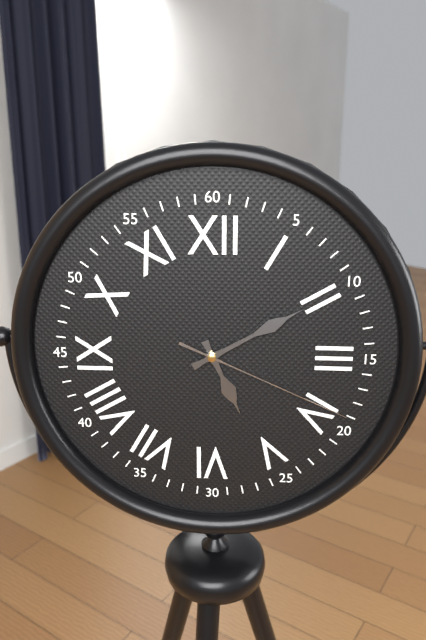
5:10:19
